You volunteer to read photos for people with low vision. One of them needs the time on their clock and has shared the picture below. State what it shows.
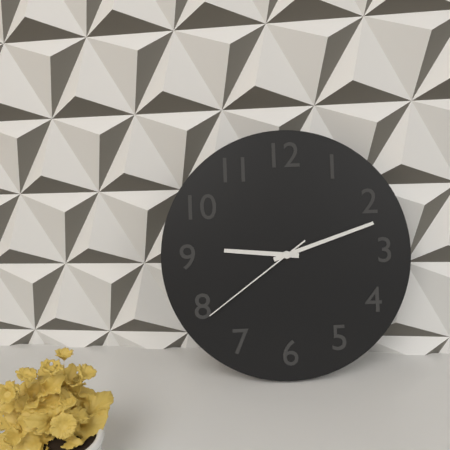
9:12:39
